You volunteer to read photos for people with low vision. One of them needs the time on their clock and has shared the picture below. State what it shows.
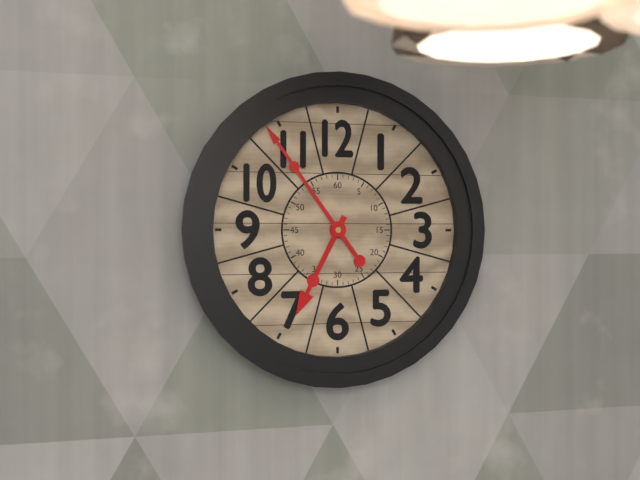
6:54
